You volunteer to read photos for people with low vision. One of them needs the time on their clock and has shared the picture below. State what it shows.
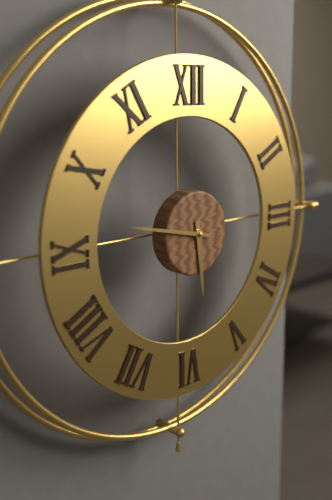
5:47
